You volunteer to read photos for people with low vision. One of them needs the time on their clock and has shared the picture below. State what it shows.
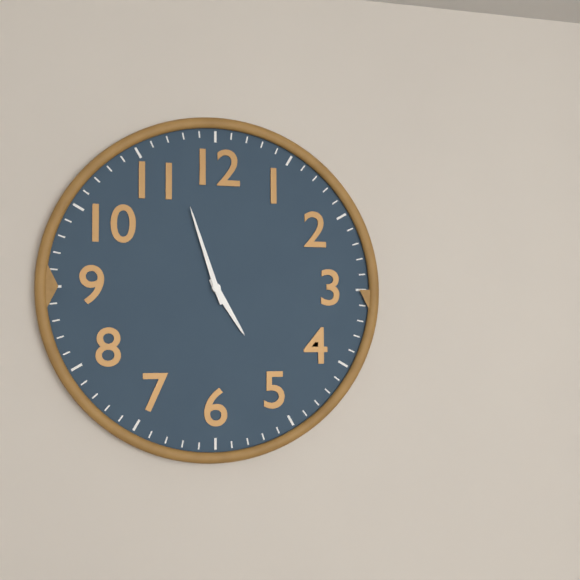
4:57
